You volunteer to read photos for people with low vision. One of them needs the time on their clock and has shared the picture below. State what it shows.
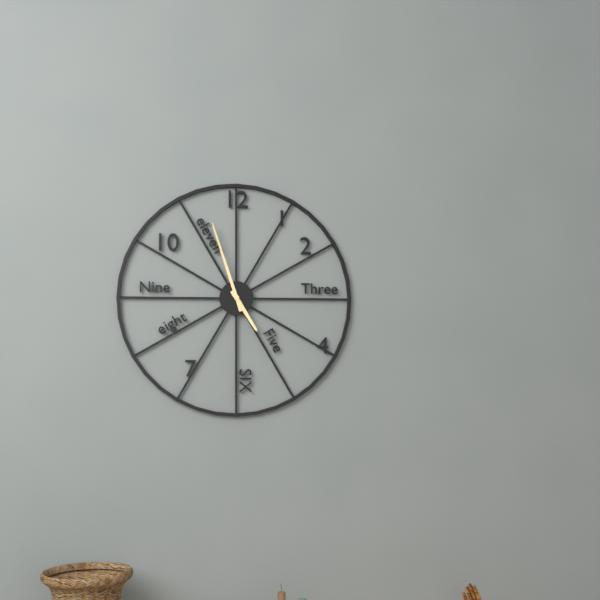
4:57
